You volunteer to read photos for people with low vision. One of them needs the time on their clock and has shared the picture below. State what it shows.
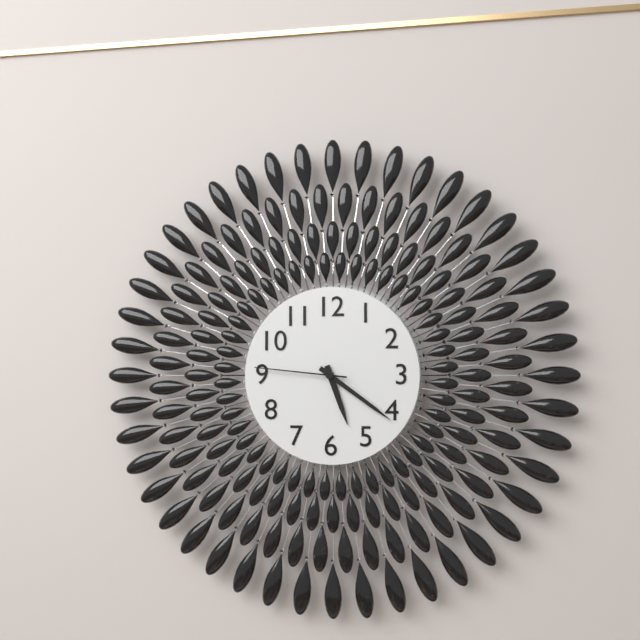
5:21:46
